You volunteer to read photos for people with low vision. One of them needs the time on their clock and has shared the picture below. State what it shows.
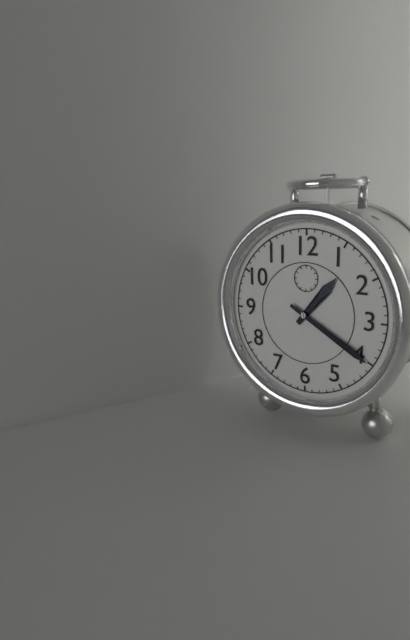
1:20
